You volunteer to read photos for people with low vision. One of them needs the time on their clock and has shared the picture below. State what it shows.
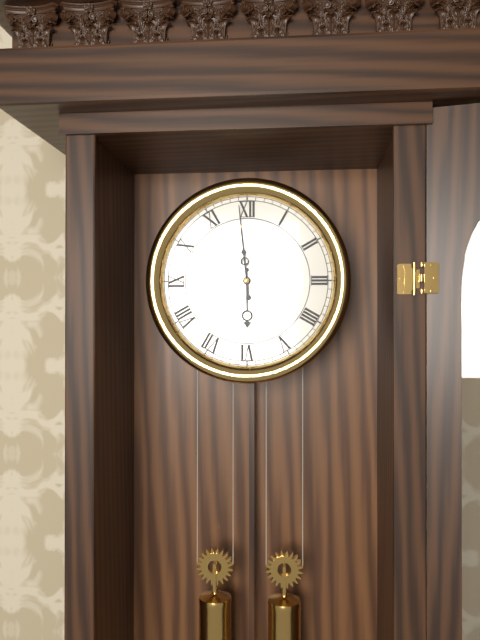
5:59
